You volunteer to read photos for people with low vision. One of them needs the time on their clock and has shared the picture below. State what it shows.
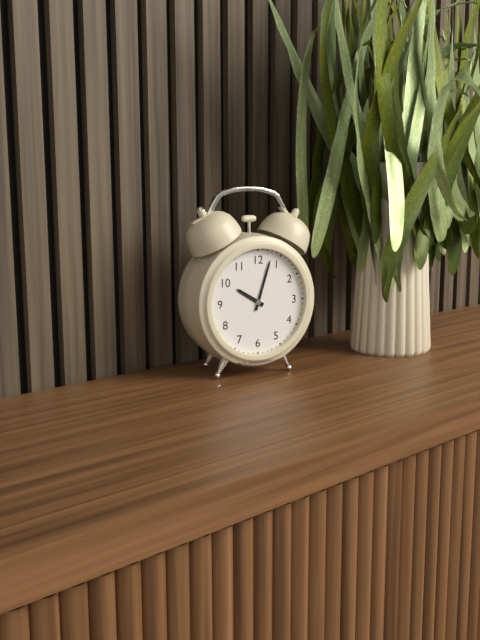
10:03
